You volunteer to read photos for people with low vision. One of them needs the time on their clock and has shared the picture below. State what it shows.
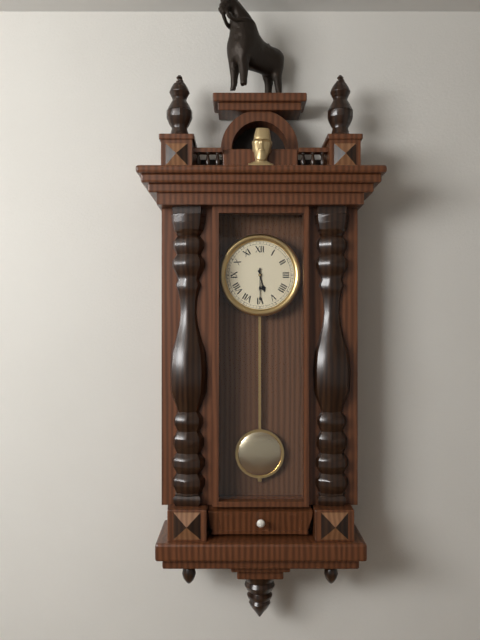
5:30
